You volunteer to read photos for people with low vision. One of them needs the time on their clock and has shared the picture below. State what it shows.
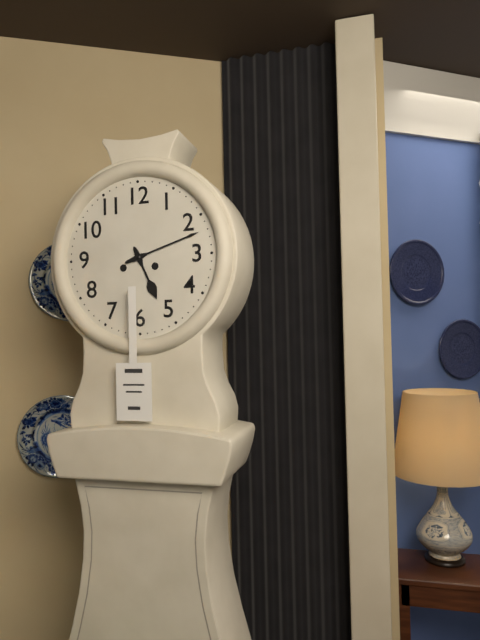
5:12
